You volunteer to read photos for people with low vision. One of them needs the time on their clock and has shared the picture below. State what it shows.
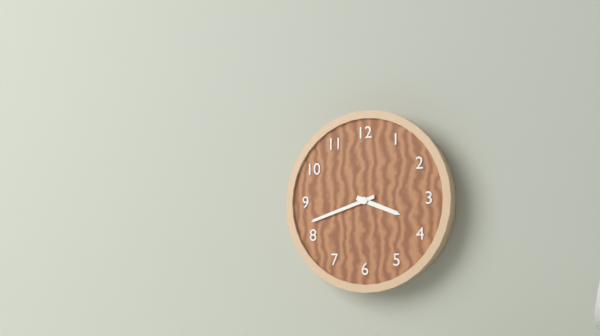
3:42
